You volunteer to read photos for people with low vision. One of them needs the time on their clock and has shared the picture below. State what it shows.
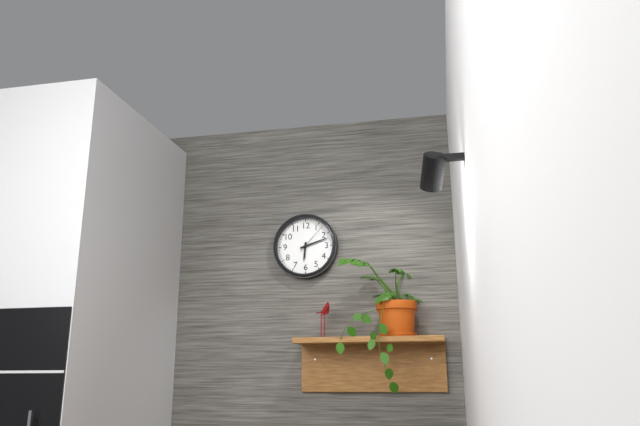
6:12
